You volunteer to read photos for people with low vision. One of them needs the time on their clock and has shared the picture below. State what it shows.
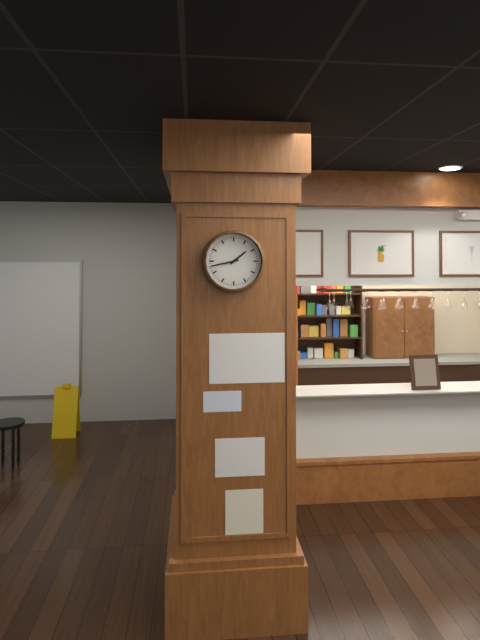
1:43
